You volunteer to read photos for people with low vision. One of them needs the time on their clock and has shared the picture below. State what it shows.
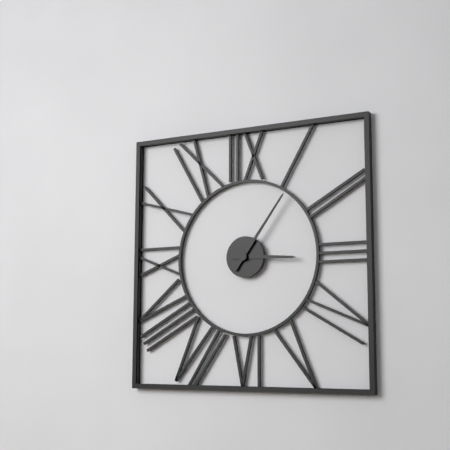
3:06
